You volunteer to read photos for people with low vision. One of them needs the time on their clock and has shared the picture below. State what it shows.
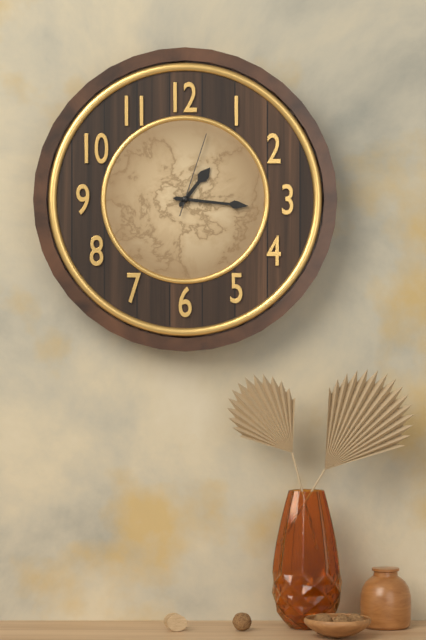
1:16:03
